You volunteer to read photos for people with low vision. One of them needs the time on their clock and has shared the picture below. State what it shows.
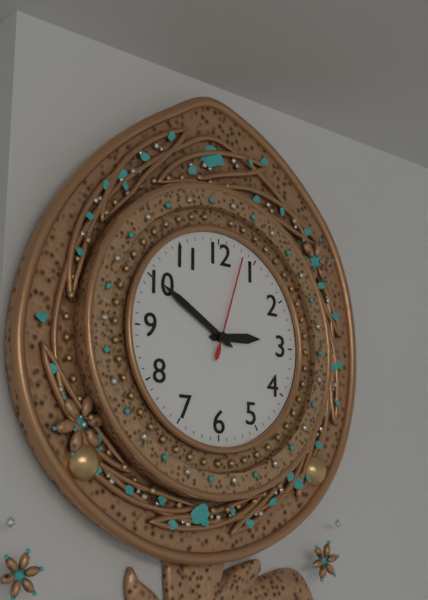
2:50:03
